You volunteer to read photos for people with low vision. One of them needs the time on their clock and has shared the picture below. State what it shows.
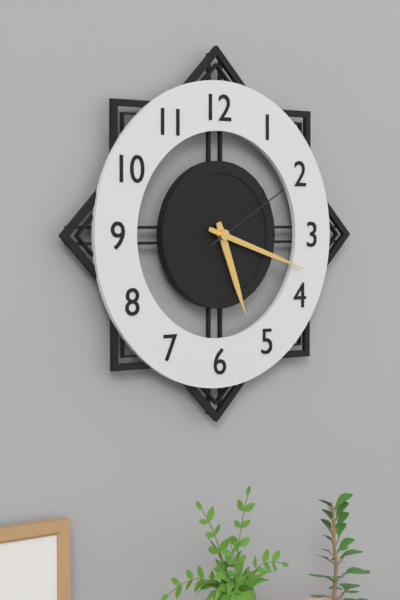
5:18:10
